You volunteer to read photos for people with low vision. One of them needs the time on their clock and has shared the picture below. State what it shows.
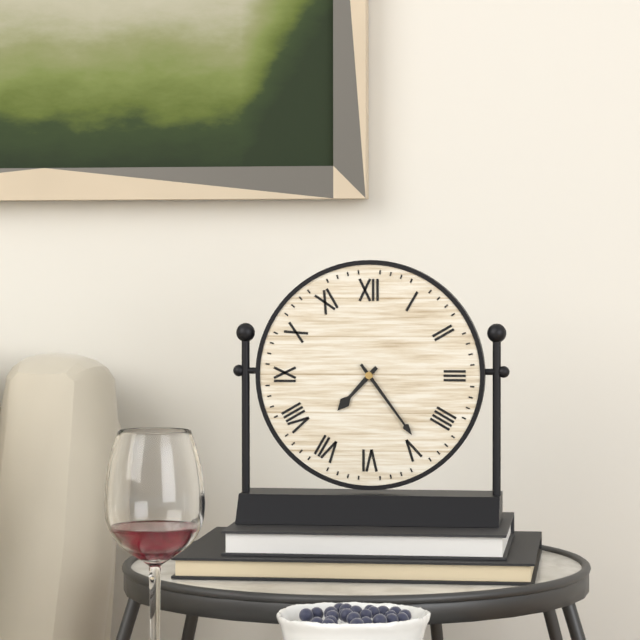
7:24
